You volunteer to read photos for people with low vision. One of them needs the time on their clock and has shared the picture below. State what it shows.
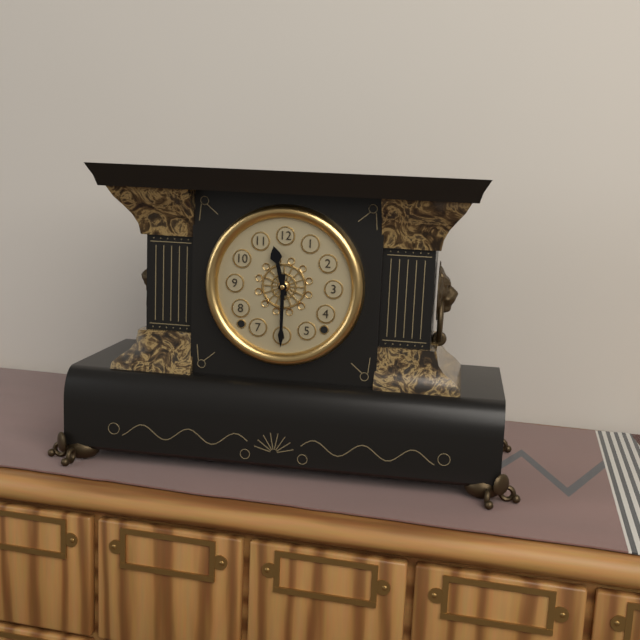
11:30
